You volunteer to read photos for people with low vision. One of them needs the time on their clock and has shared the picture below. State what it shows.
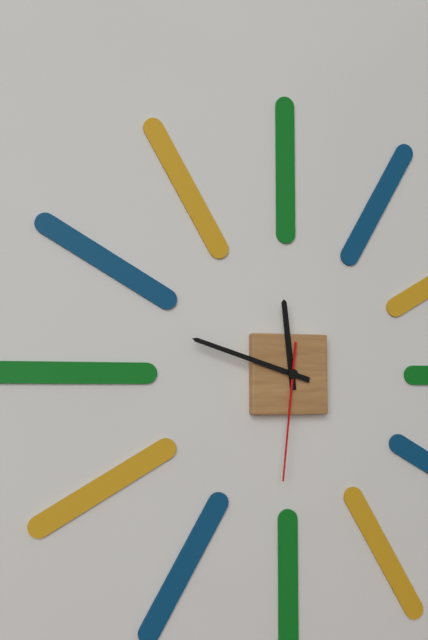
11:48:31
